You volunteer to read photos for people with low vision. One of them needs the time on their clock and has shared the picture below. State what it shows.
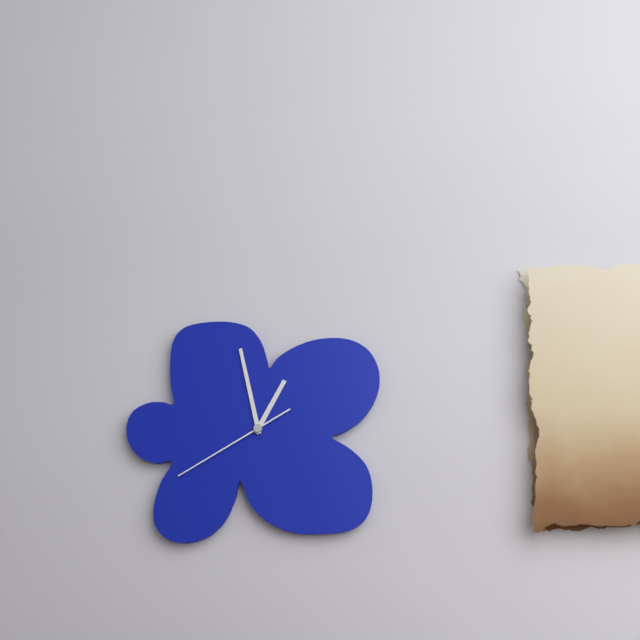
12:58:40
